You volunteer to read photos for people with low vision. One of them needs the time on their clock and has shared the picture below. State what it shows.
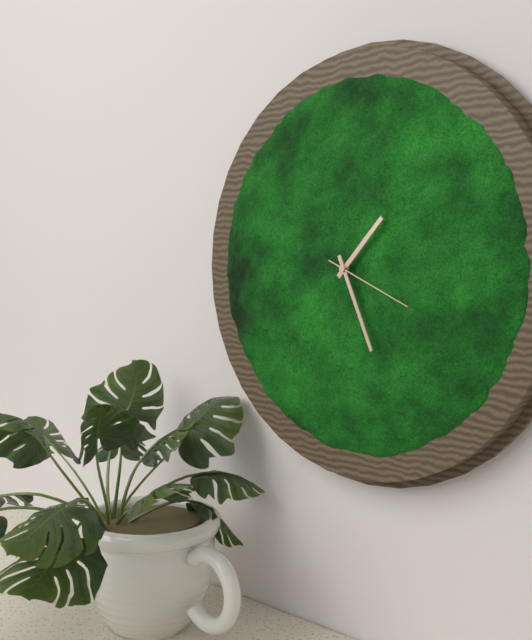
1:26:19
